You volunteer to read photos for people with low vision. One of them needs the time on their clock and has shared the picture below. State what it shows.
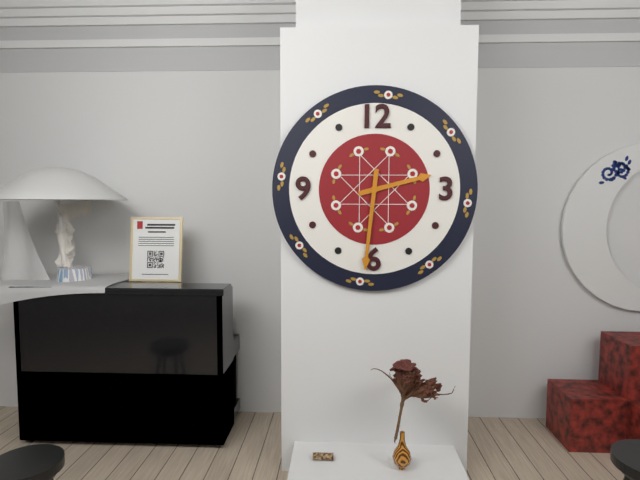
2:31
